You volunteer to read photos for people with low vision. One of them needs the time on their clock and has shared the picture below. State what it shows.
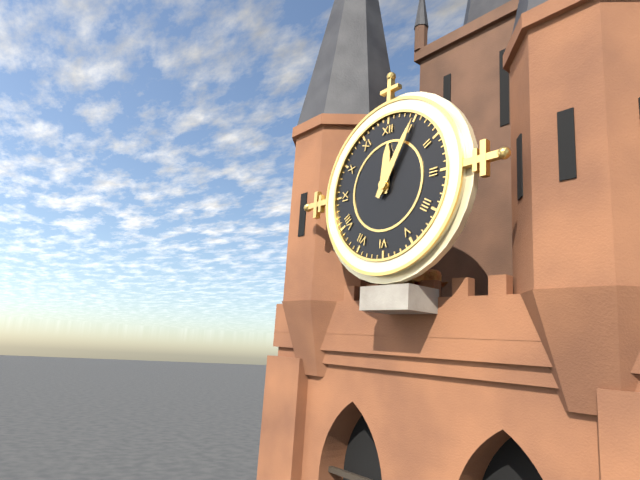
12:05
